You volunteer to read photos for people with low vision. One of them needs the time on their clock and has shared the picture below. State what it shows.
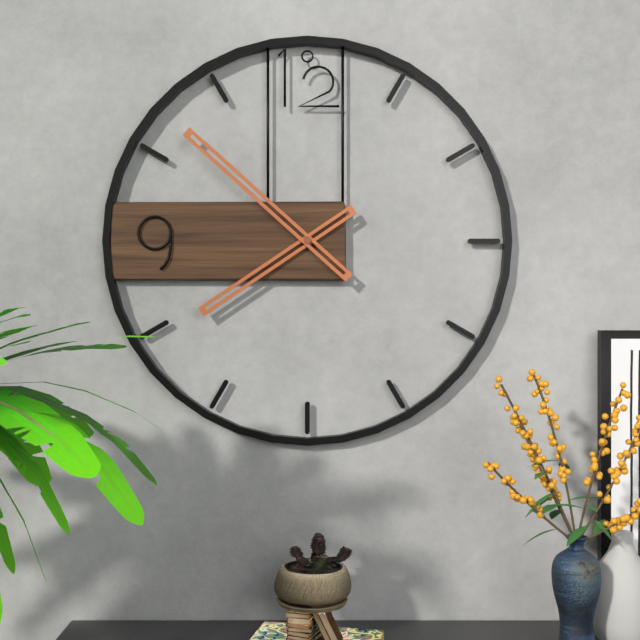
7:52
